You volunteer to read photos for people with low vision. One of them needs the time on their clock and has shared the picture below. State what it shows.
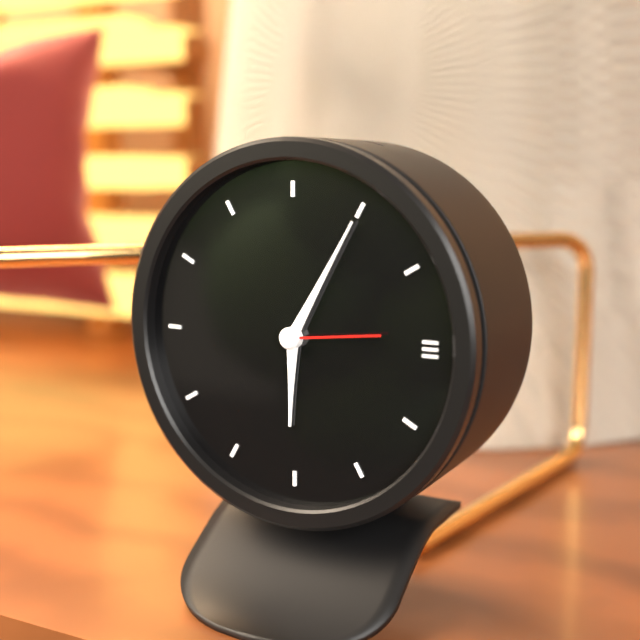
6:05:14
